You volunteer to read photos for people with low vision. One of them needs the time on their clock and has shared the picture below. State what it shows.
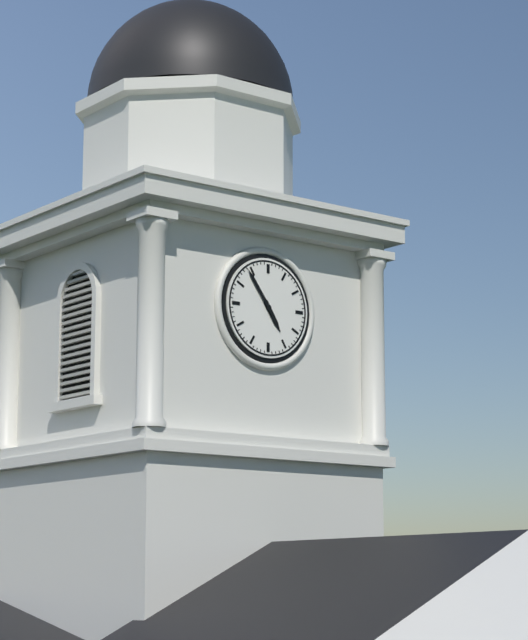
4:54
